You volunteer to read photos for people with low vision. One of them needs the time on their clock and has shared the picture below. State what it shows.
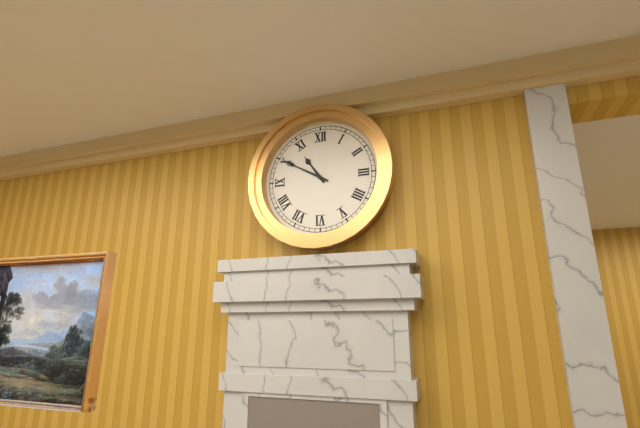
10:50
